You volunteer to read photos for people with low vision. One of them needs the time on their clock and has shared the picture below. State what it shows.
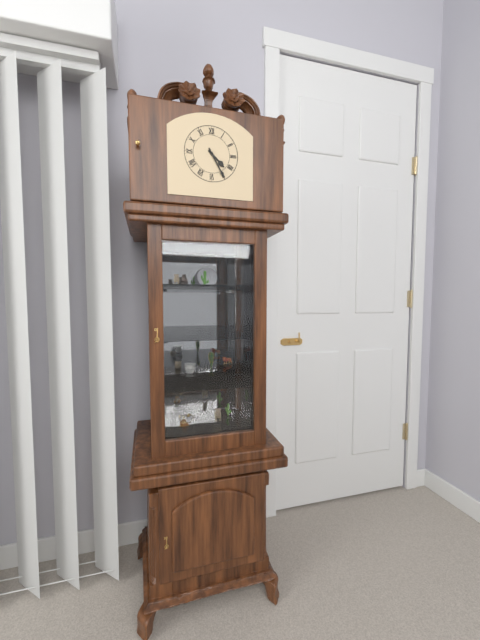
4:25
